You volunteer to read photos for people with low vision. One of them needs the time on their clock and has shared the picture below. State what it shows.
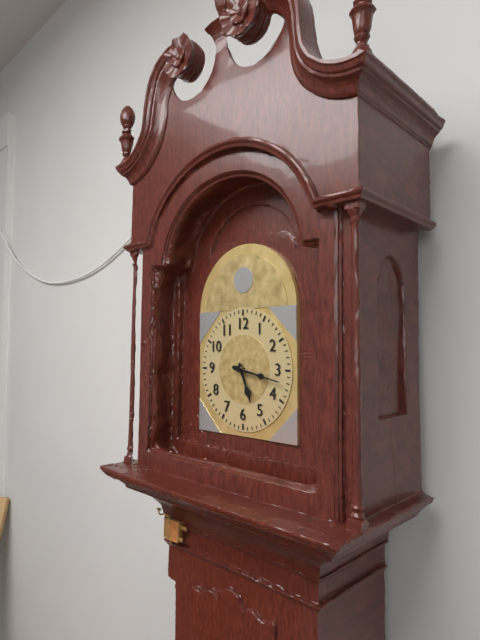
5:17
